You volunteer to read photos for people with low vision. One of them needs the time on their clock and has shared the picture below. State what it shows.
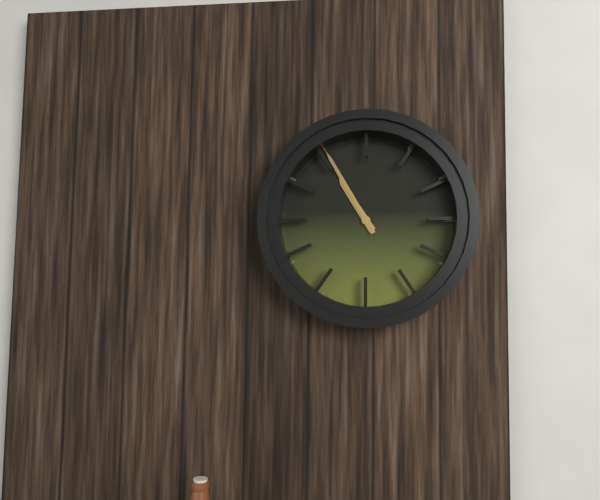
10:55
